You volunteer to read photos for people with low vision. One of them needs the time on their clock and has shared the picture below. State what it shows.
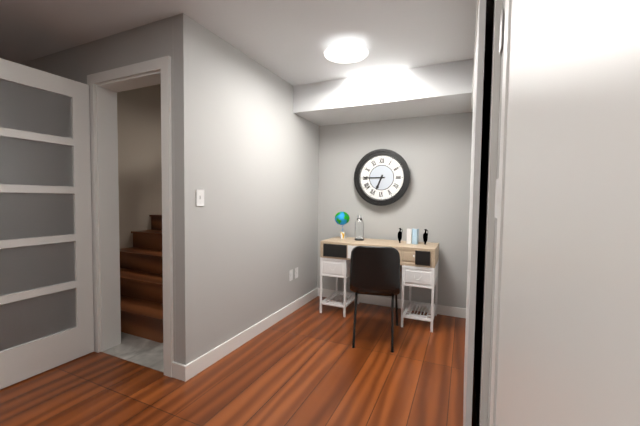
6:45
